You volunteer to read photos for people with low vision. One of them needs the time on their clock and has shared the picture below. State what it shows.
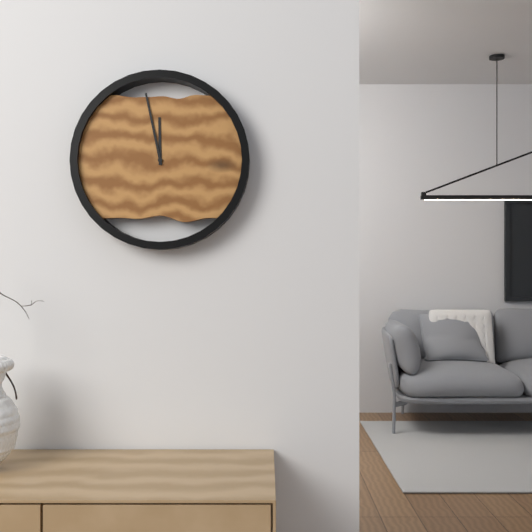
11:58
